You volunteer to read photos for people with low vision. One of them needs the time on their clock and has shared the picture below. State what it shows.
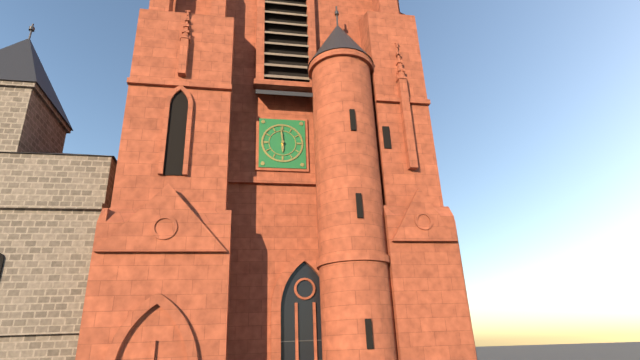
5:59
